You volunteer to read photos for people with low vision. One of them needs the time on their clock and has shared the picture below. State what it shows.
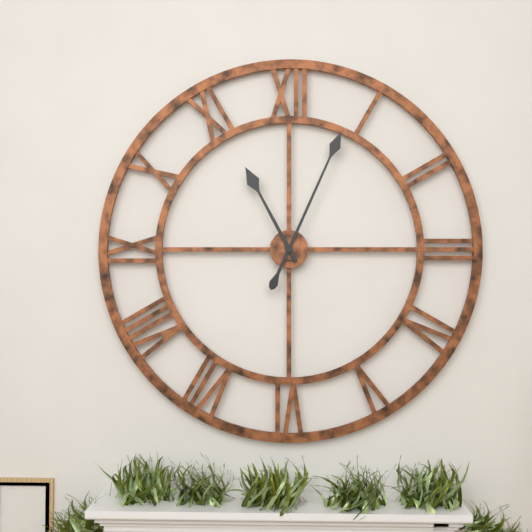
11:04
